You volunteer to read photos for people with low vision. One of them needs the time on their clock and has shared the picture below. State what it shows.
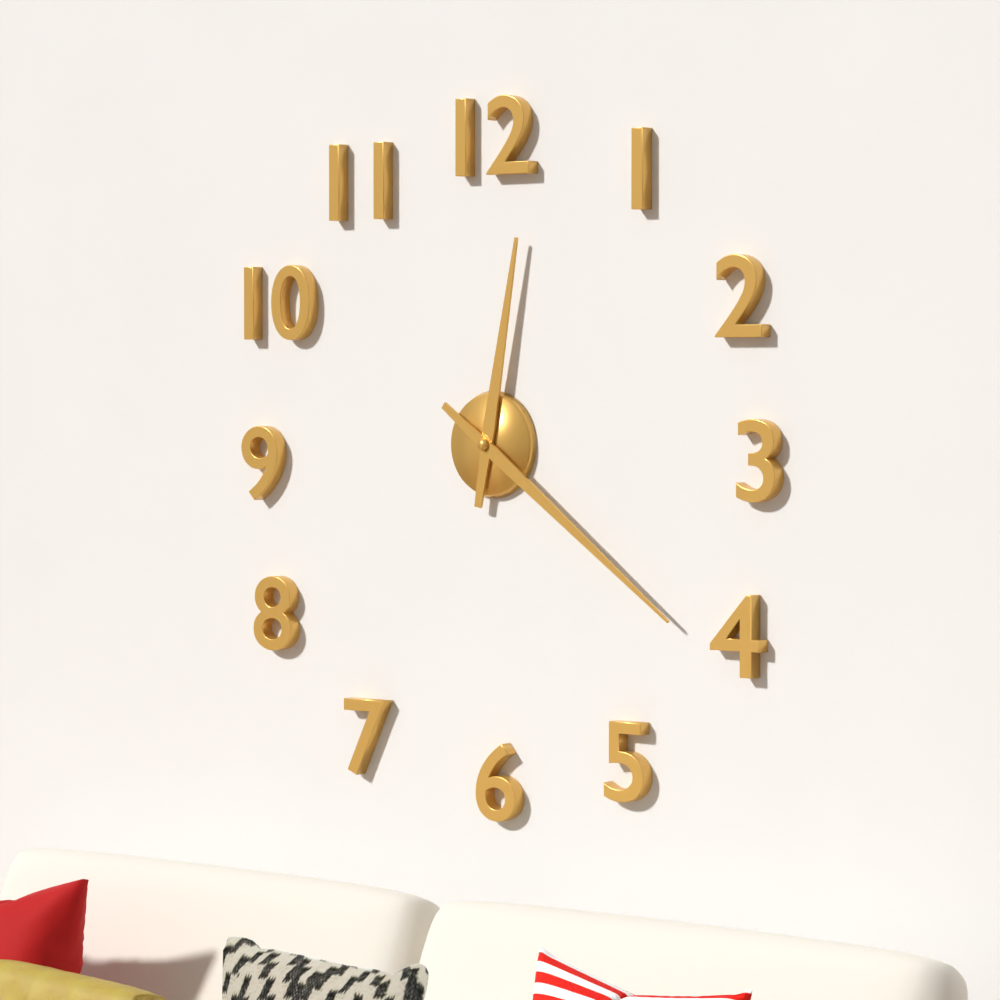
12:21
